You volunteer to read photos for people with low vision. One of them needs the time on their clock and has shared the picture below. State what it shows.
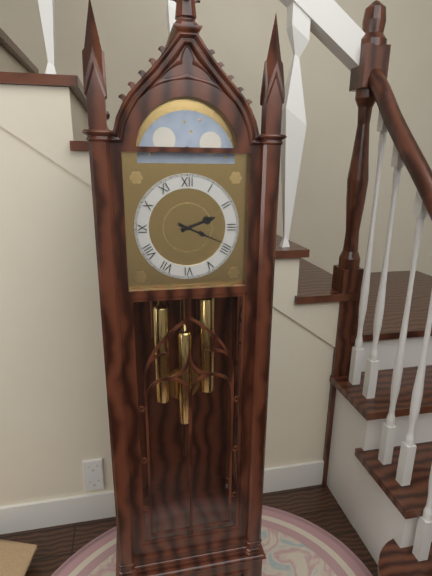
2:19
